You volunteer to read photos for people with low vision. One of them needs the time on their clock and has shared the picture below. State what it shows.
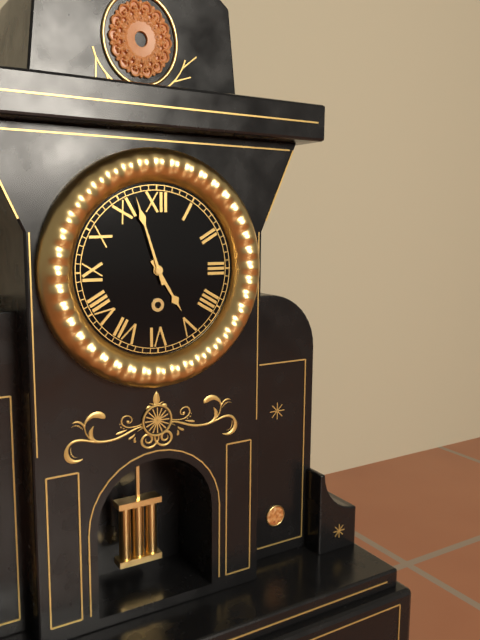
4:57
